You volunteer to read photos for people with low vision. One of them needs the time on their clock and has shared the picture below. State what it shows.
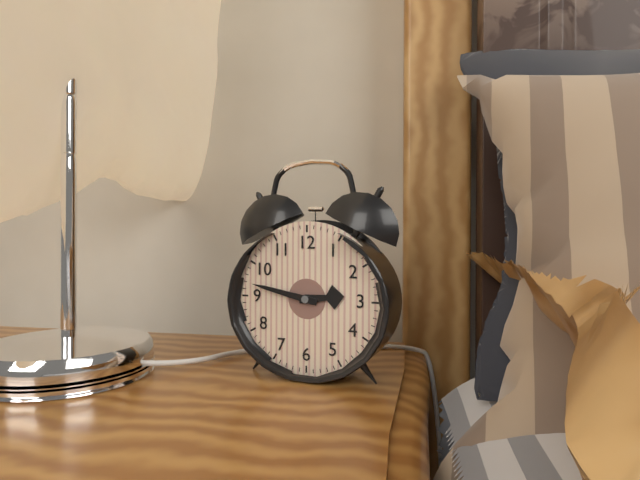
2:47
